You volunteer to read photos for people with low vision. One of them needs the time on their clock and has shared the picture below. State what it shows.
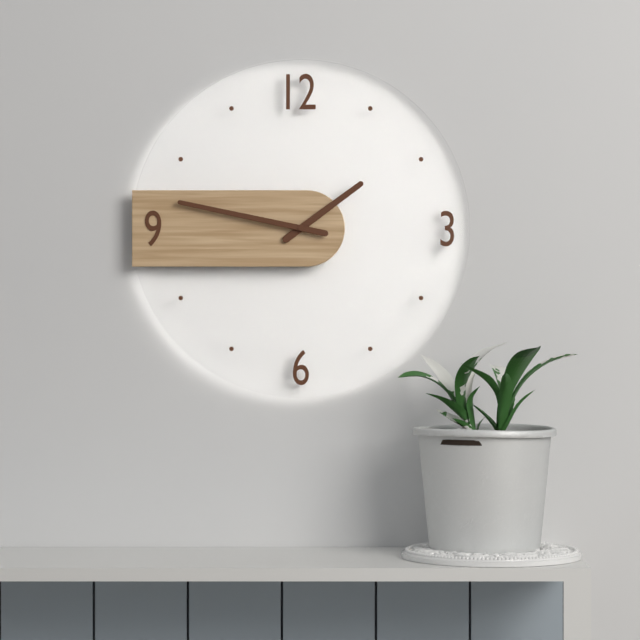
1:47
